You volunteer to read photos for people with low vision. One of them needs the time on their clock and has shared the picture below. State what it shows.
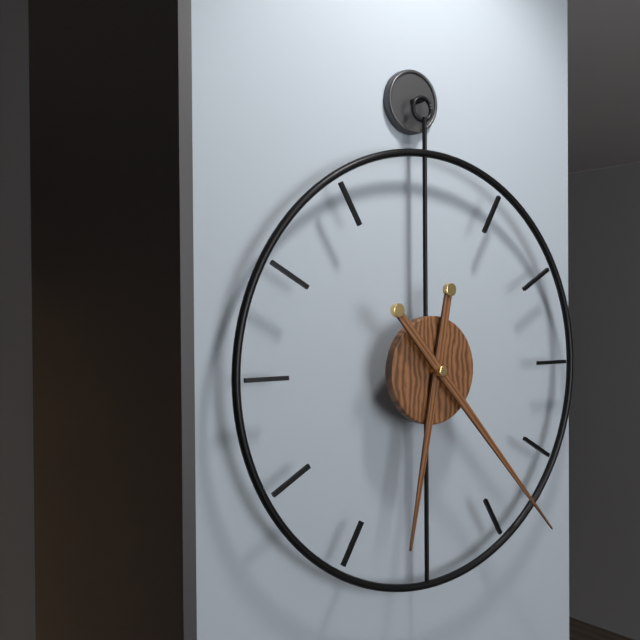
6:23
